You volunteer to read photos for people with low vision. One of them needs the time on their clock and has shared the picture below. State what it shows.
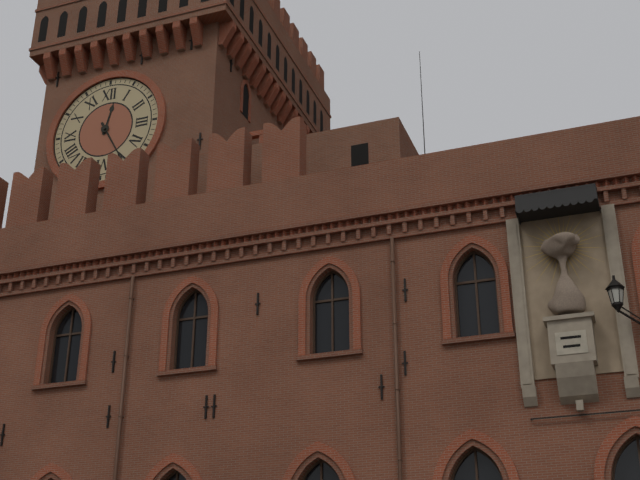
12:25
